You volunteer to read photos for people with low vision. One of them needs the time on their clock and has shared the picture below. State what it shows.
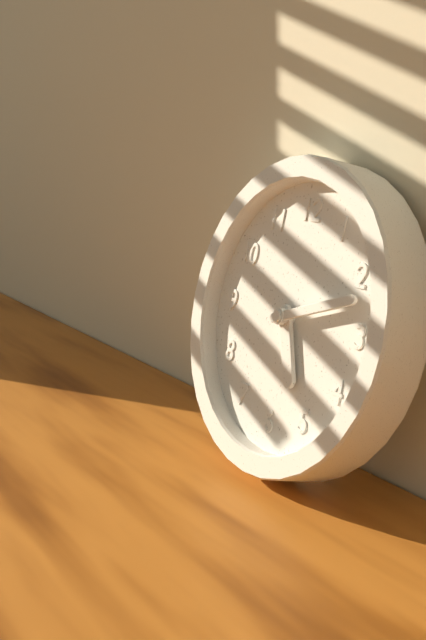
5:12
